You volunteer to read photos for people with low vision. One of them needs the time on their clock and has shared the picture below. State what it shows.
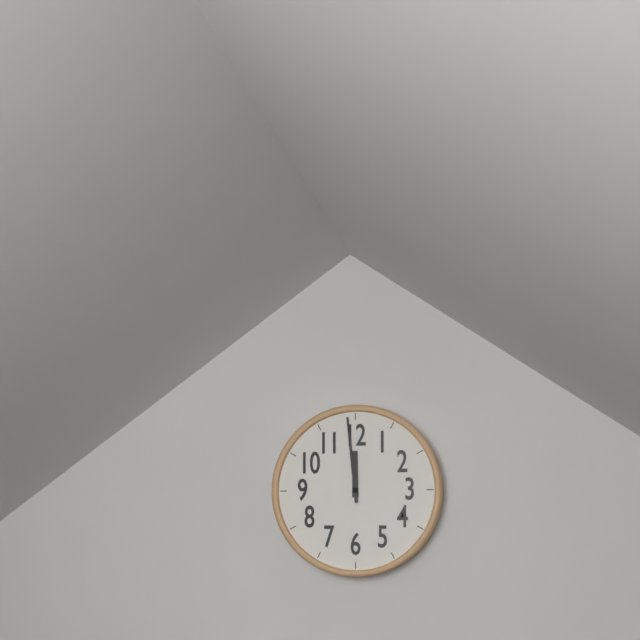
11:59
